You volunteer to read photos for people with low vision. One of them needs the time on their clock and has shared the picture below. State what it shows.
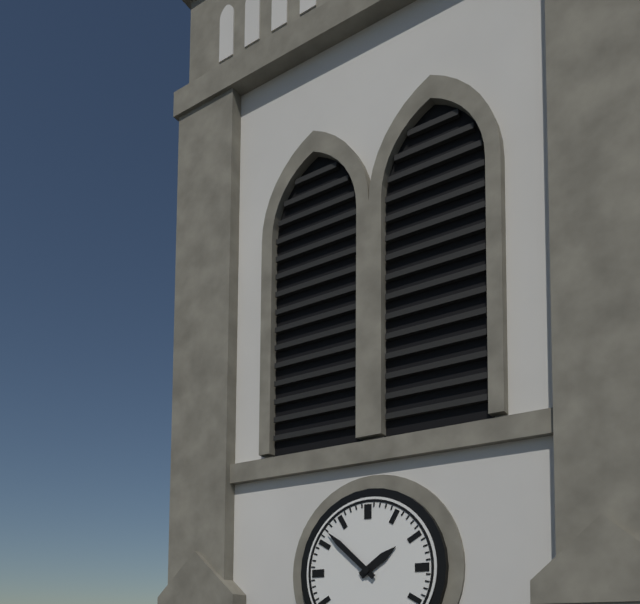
1:52
